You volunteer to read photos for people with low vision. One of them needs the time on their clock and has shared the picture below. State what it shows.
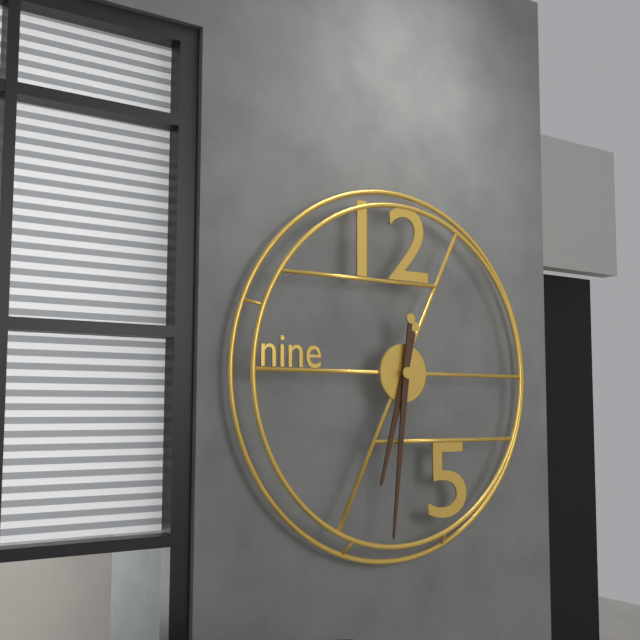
6:31
